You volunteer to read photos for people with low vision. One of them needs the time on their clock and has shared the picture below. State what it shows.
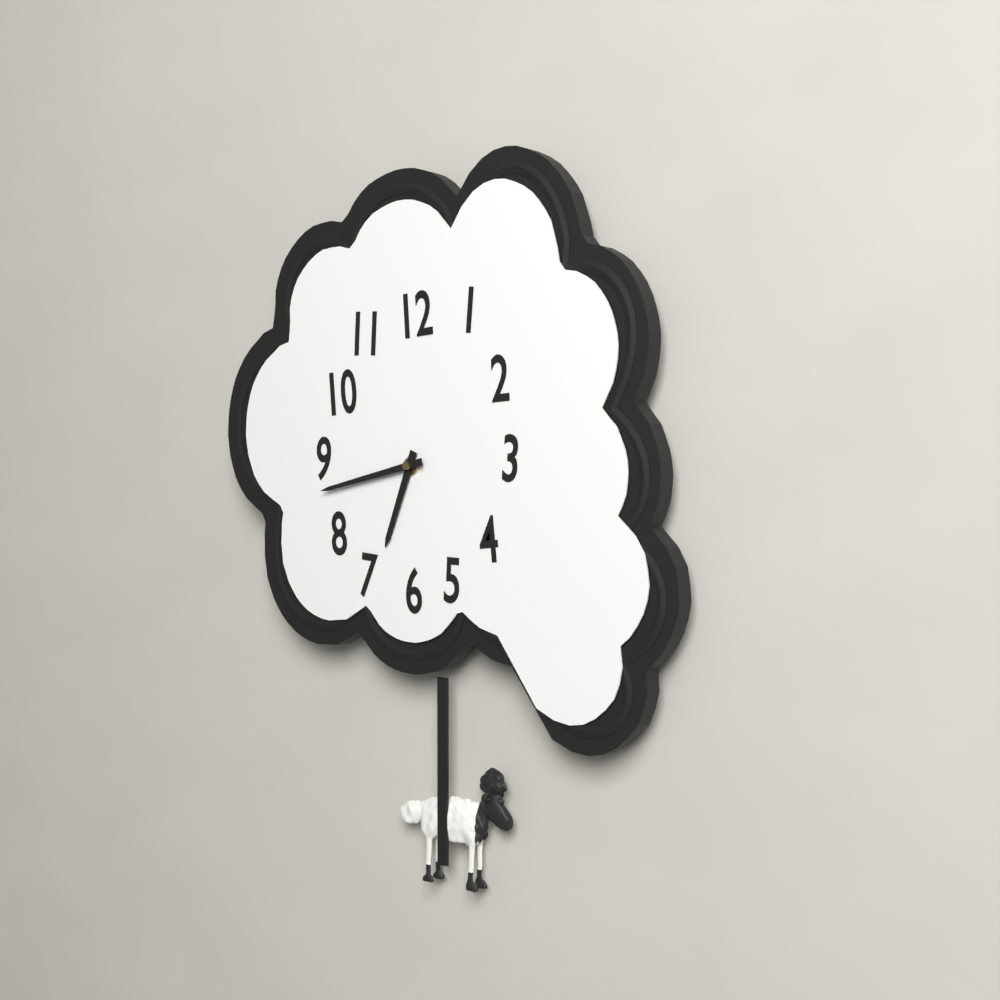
6:43
